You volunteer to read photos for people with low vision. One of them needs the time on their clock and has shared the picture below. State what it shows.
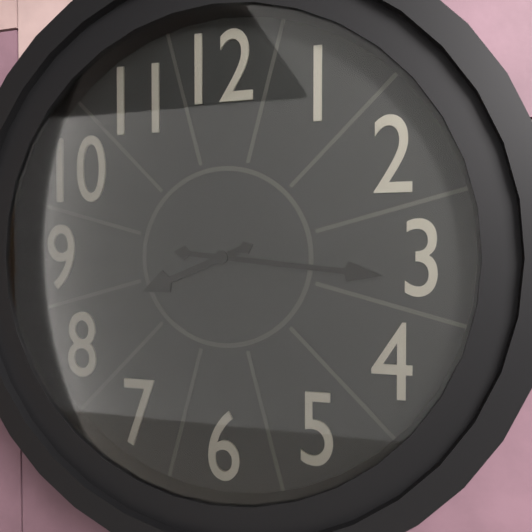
8:16
